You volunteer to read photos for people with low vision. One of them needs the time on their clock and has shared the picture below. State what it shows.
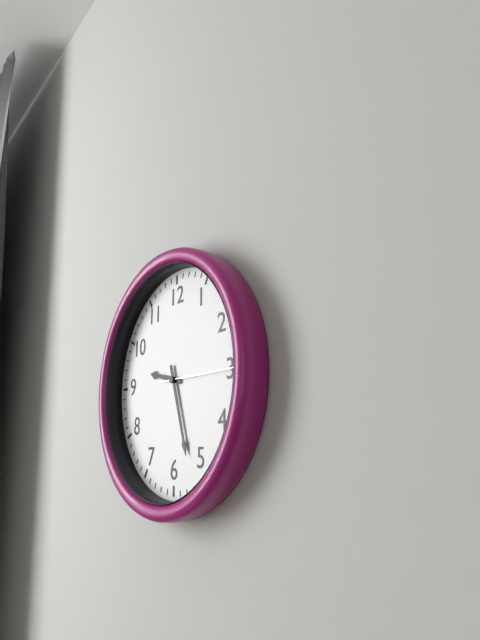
9:27:15
